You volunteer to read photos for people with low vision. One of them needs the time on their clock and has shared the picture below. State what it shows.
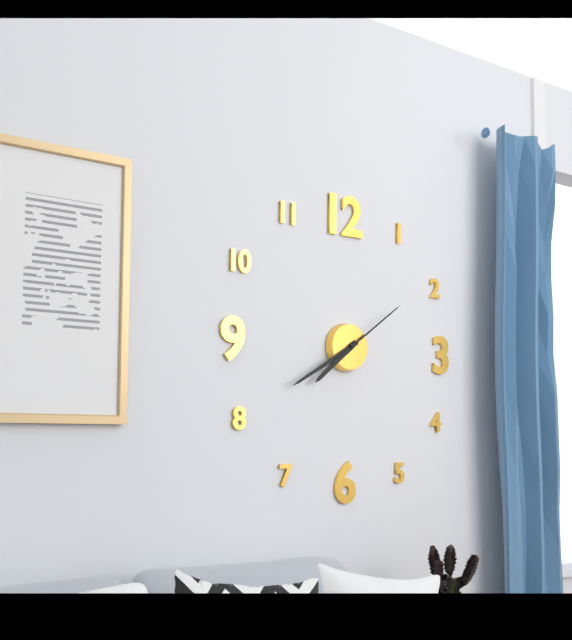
7:40:09
